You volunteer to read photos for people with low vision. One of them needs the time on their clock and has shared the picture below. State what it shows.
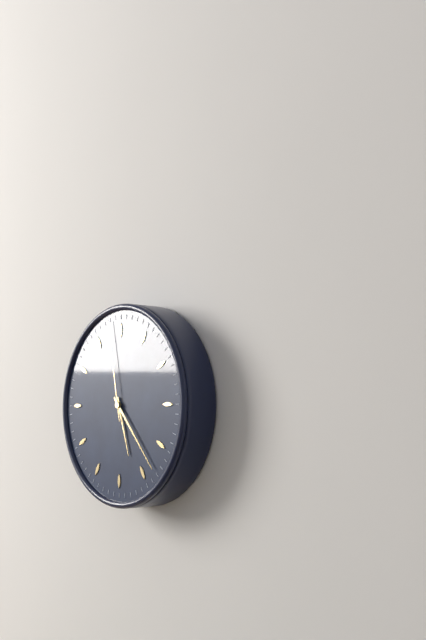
5:23:58
